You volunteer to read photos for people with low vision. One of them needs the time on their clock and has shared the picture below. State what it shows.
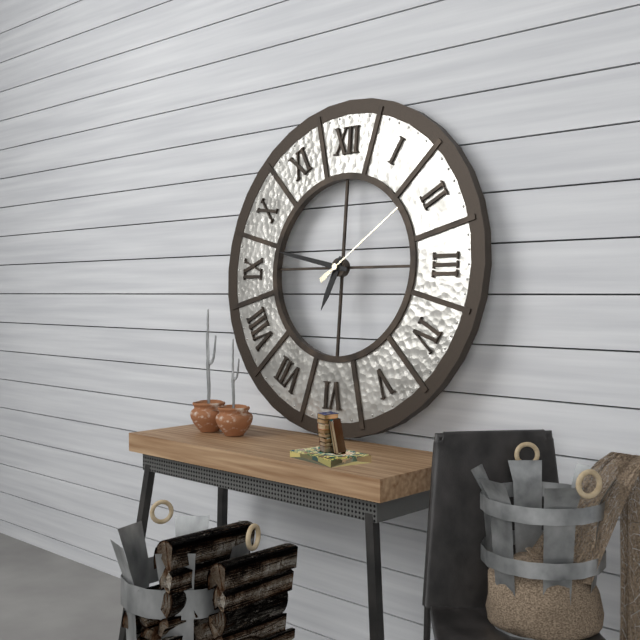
6:47:09
